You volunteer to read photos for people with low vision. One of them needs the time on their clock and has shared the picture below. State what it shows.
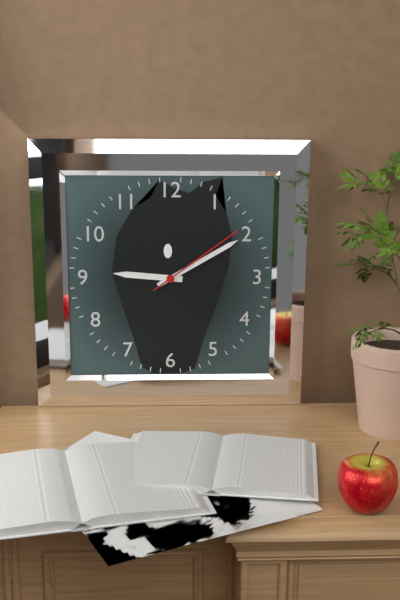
9:10:09
